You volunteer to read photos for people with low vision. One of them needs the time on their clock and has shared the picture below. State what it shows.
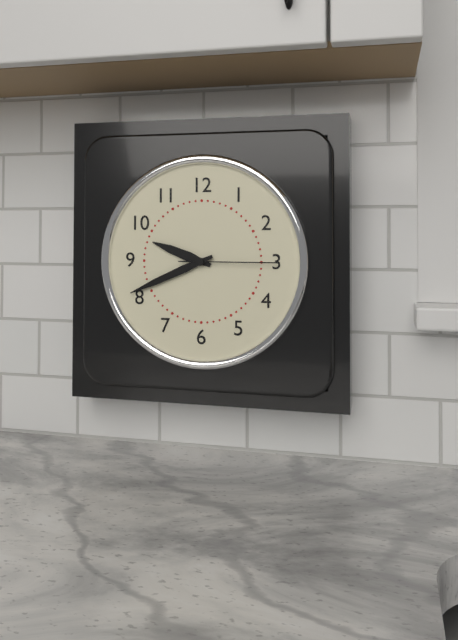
9:41:15
